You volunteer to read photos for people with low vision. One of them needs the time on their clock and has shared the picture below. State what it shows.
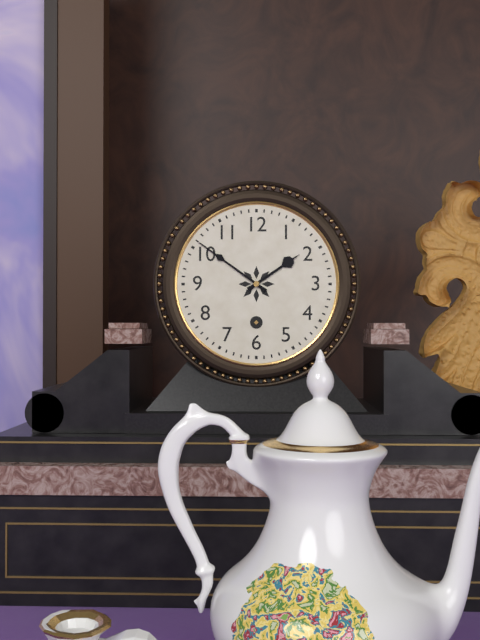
1:51
